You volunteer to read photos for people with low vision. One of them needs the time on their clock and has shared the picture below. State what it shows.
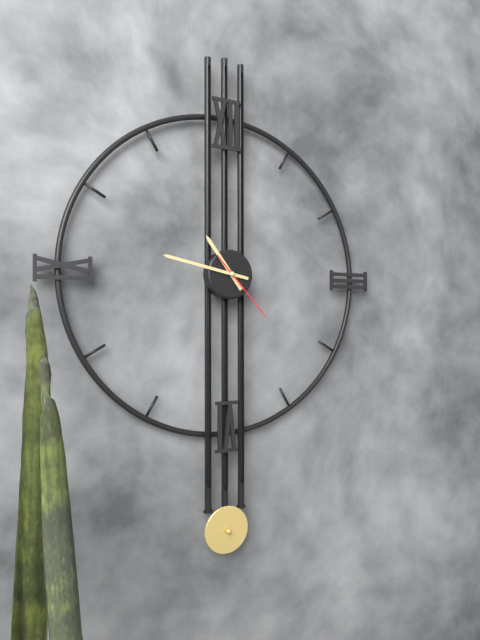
10:47:23
